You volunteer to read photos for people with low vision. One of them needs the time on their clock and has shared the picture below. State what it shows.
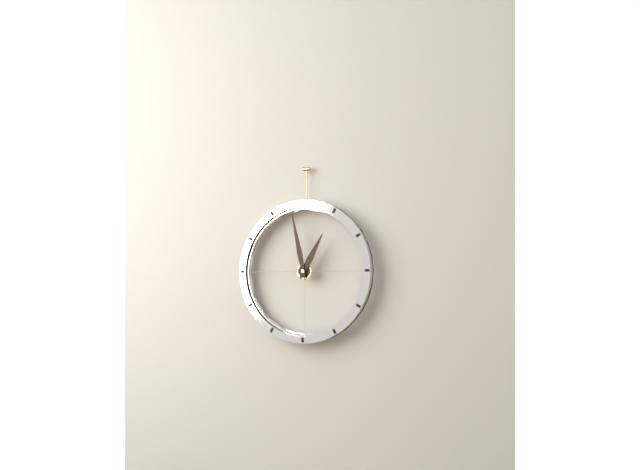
12:58
